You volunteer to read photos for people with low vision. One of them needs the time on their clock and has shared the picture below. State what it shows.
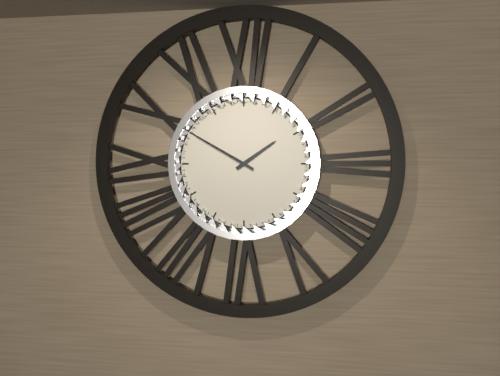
1:50
